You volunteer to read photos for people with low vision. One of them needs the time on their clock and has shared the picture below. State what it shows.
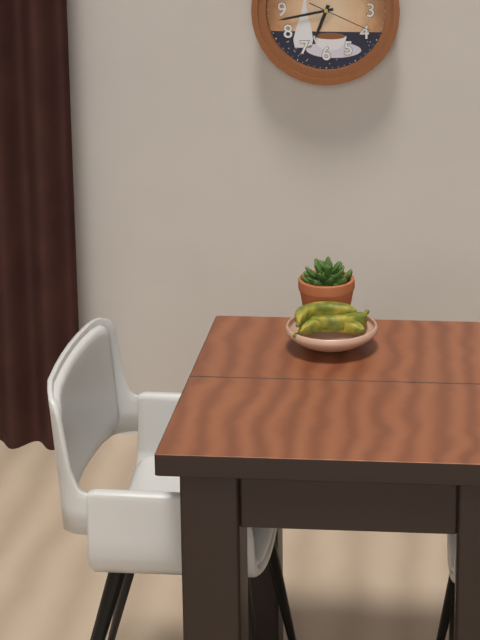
6:43:19
